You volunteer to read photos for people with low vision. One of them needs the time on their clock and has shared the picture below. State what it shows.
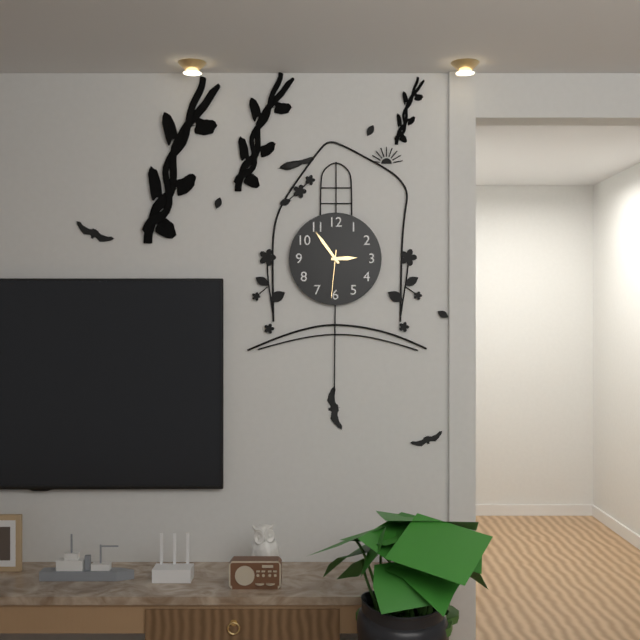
2:54
